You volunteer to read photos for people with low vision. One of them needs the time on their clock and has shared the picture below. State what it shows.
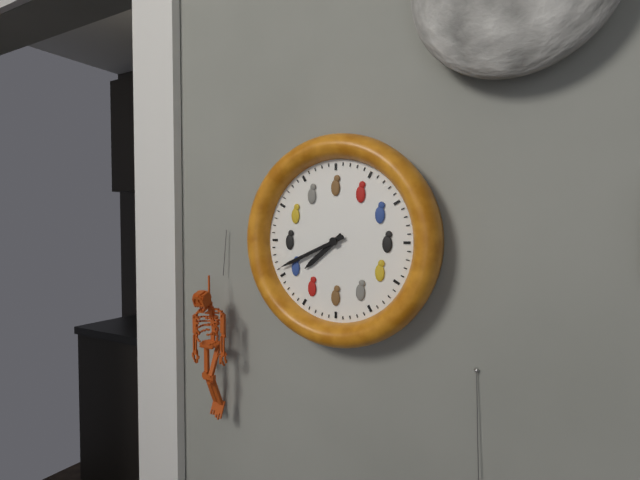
7:41
